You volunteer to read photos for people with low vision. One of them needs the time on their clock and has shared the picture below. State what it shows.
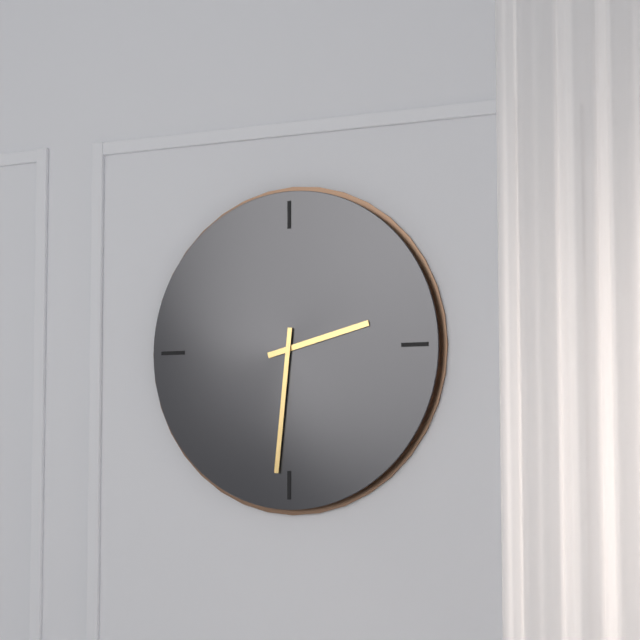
2:31
